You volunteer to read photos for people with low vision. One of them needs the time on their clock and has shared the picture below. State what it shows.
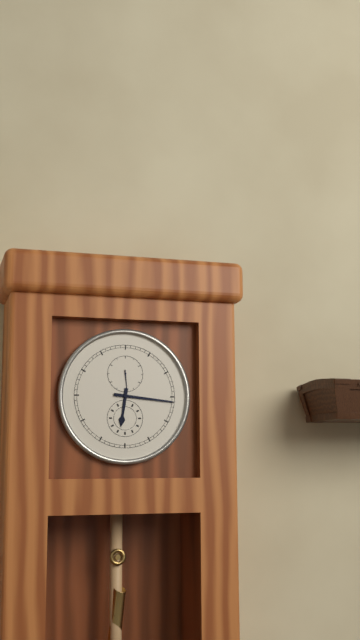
6:16
